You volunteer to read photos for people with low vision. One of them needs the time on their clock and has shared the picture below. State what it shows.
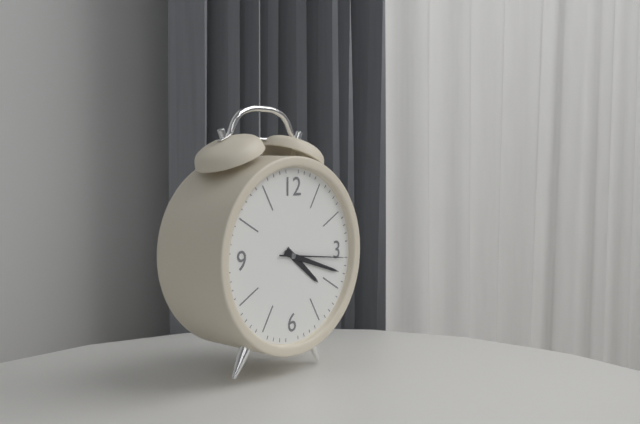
4:18:16
